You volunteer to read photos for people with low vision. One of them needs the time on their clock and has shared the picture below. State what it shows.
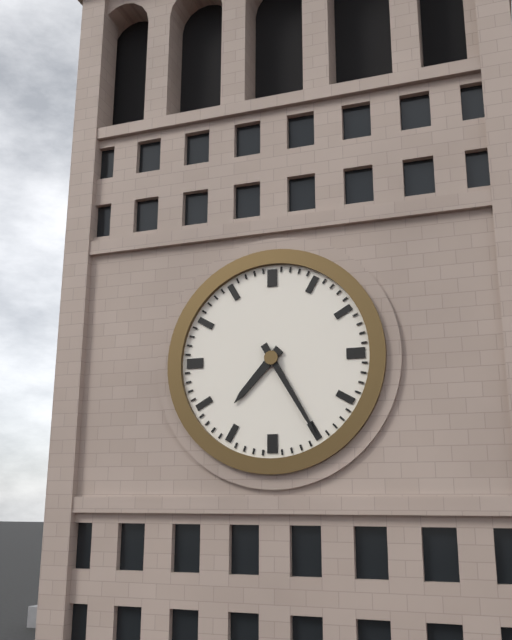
7:25
